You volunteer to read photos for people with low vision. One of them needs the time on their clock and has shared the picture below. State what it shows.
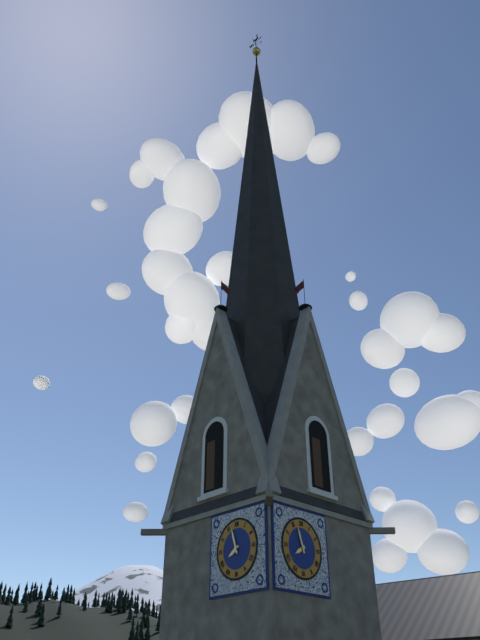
7:57
